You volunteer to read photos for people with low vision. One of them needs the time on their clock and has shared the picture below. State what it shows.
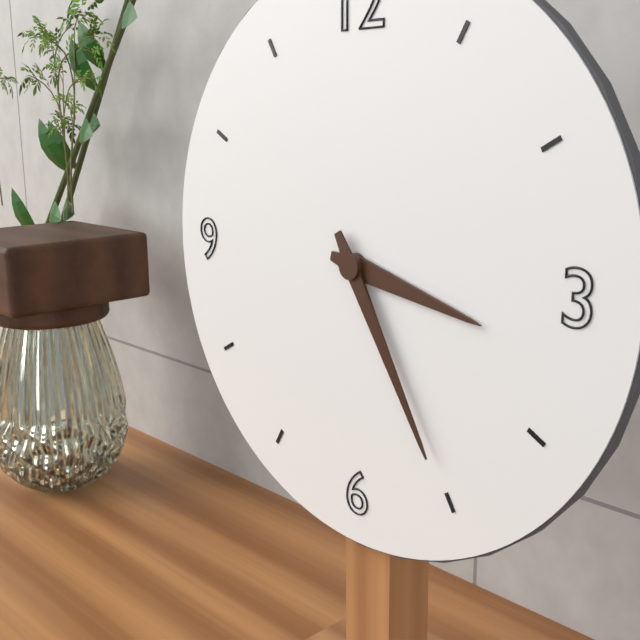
3:25
